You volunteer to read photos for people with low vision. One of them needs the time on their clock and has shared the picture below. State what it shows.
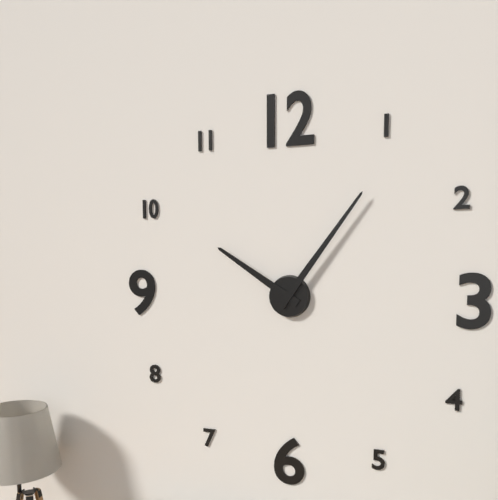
10:06
